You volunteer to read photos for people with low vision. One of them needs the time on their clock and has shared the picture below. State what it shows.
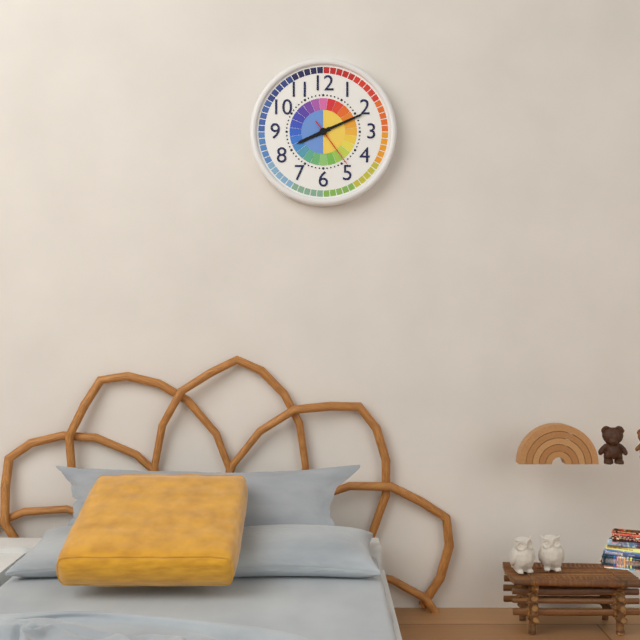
8:11:24
